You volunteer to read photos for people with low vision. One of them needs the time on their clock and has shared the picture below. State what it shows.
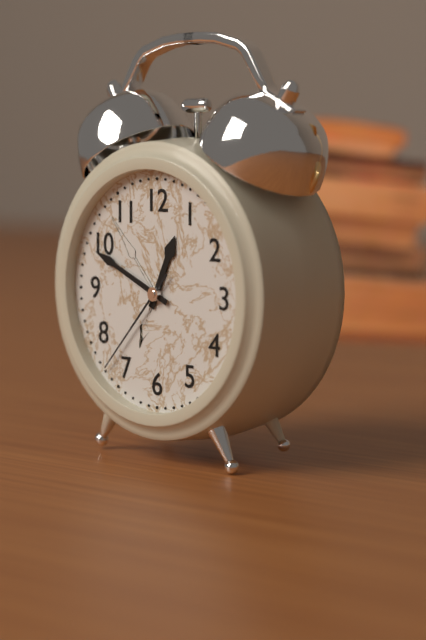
12:49:37
